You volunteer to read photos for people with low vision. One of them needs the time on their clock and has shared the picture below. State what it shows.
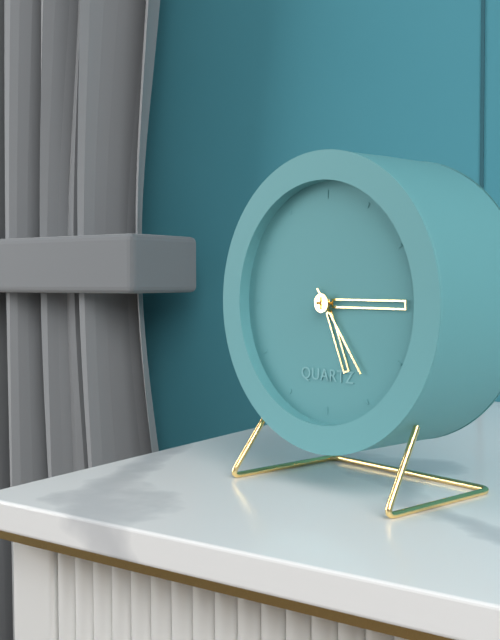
5:15:24
